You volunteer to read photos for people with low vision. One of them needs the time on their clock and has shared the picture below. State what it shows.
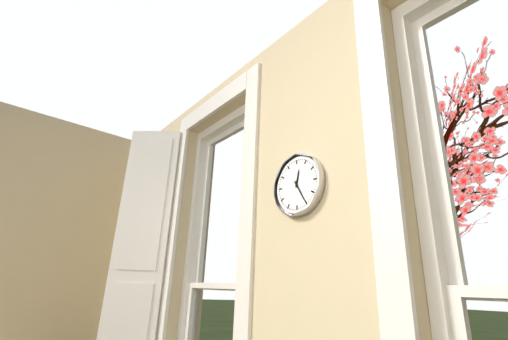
12:25
